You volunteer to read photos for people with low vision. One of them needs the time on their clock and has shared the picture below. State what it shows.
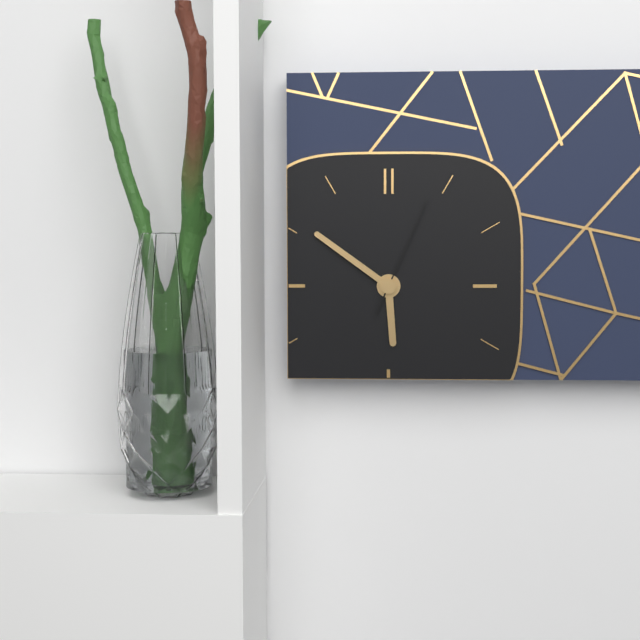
5:51:04
